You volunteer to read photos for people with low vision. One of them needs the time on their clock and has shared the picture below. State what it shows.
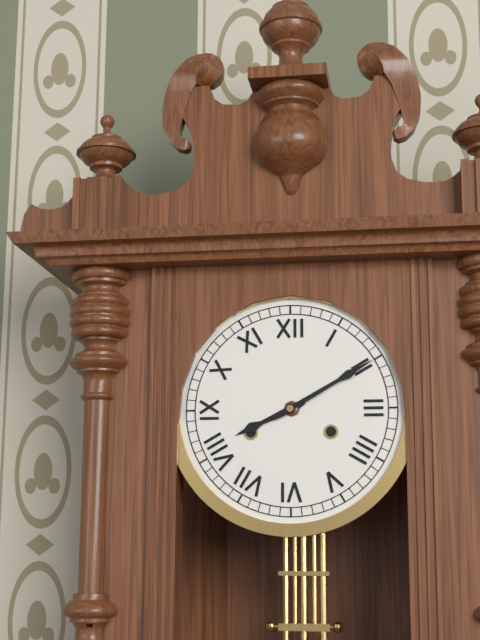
8:10
